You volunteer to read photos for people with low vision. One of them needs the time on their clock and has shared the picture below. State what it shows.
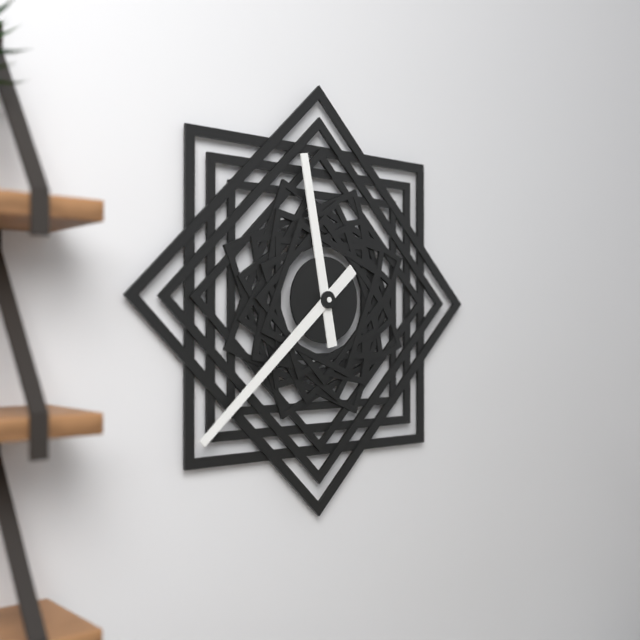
11:38
